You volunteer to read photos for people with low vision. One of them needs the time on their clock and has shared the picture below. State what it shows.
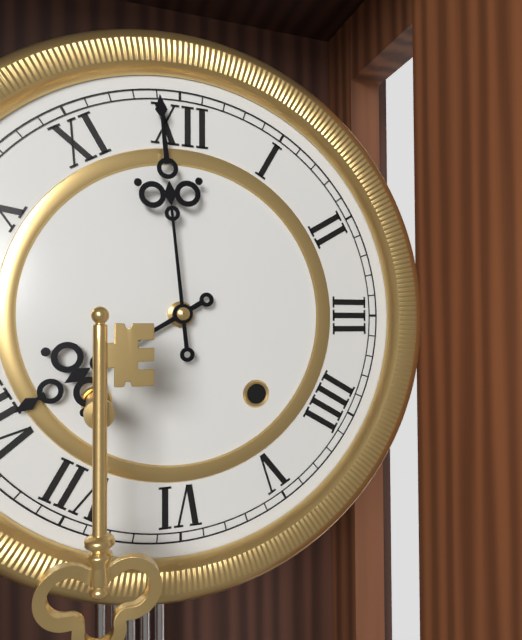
7:59
